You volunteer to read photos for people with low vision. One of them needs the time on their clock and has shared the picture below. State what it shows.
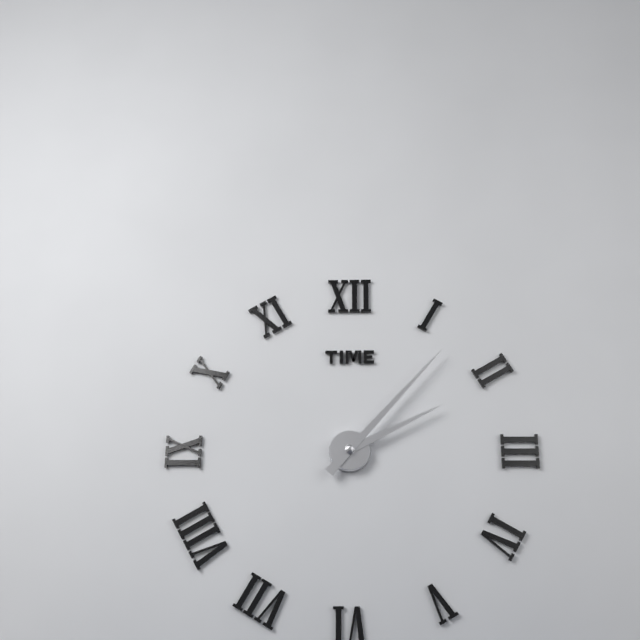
2:07
